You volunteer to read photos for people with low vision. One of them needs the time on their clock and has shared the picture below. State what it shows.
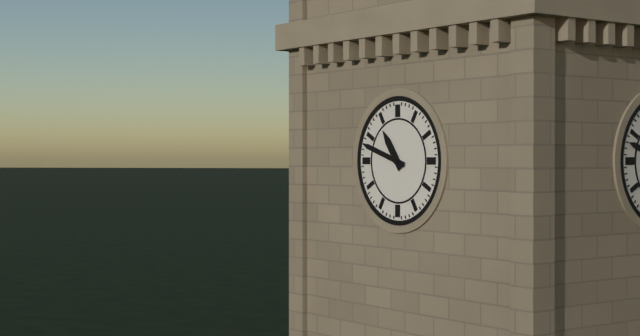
10:48
